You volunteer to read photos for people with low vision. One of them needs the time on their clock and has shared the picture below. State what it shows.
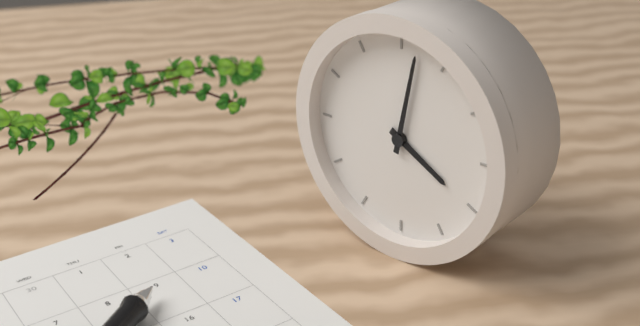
4:02
